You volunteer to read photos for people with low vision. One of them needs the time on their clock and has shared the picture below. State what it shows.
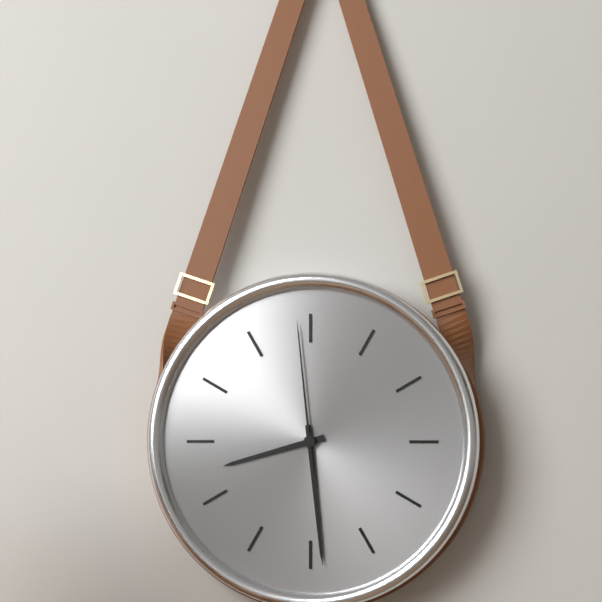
8:29:59
